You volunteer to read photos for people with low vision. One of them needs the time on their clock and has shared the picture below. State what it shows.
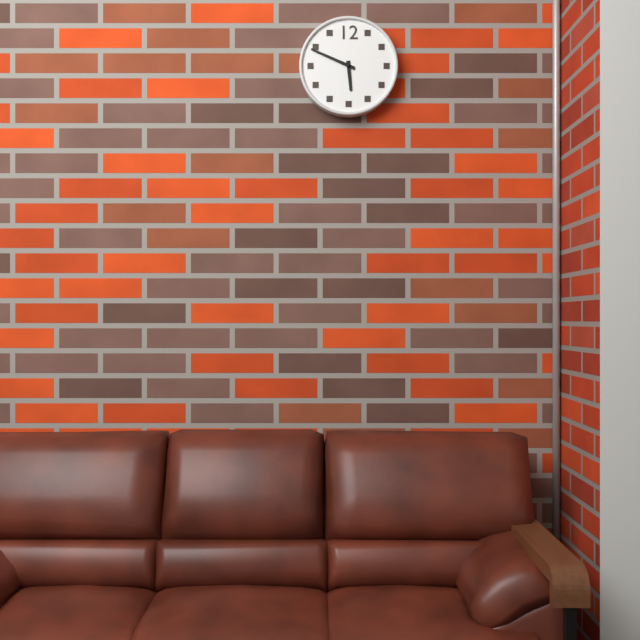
5:49
